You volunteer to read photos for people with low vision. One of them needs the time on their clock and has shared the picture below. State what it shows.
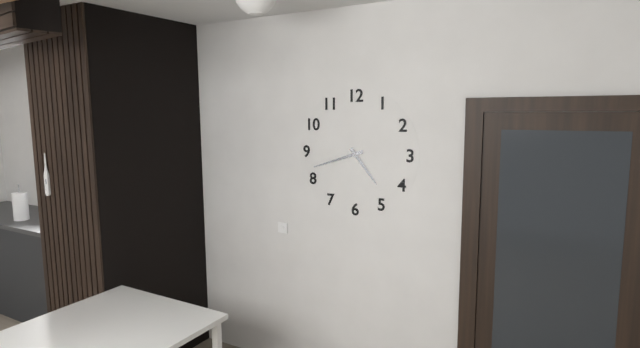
4:42
